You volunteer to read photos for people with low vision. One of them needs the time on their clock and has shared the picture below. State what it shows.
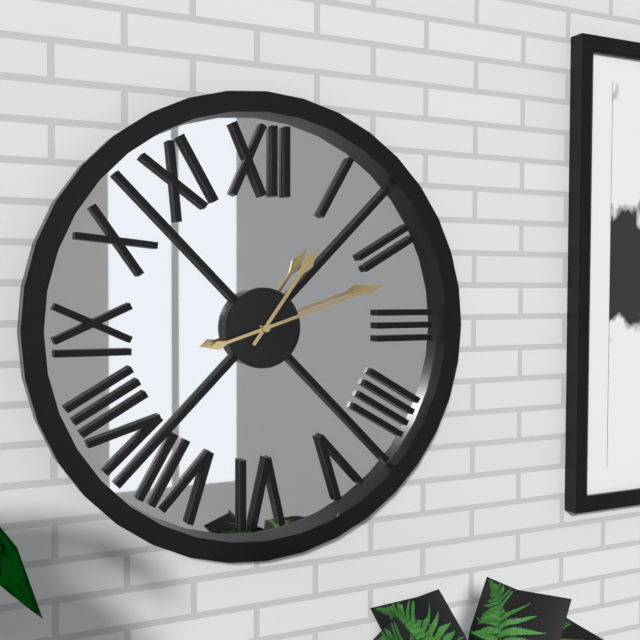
1:12
